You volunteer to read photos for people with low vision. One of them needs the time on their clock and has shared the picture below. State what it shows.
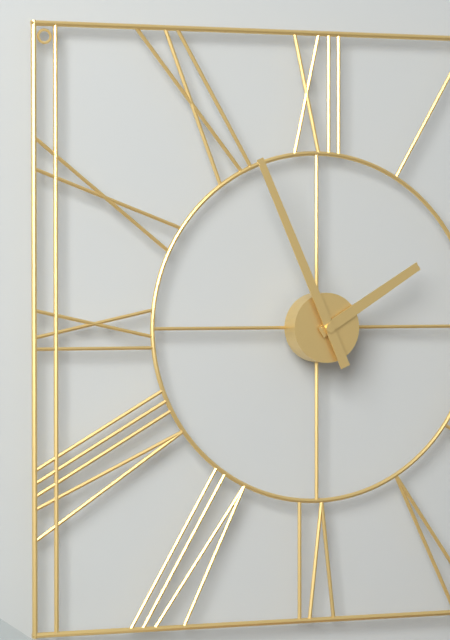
1:56
